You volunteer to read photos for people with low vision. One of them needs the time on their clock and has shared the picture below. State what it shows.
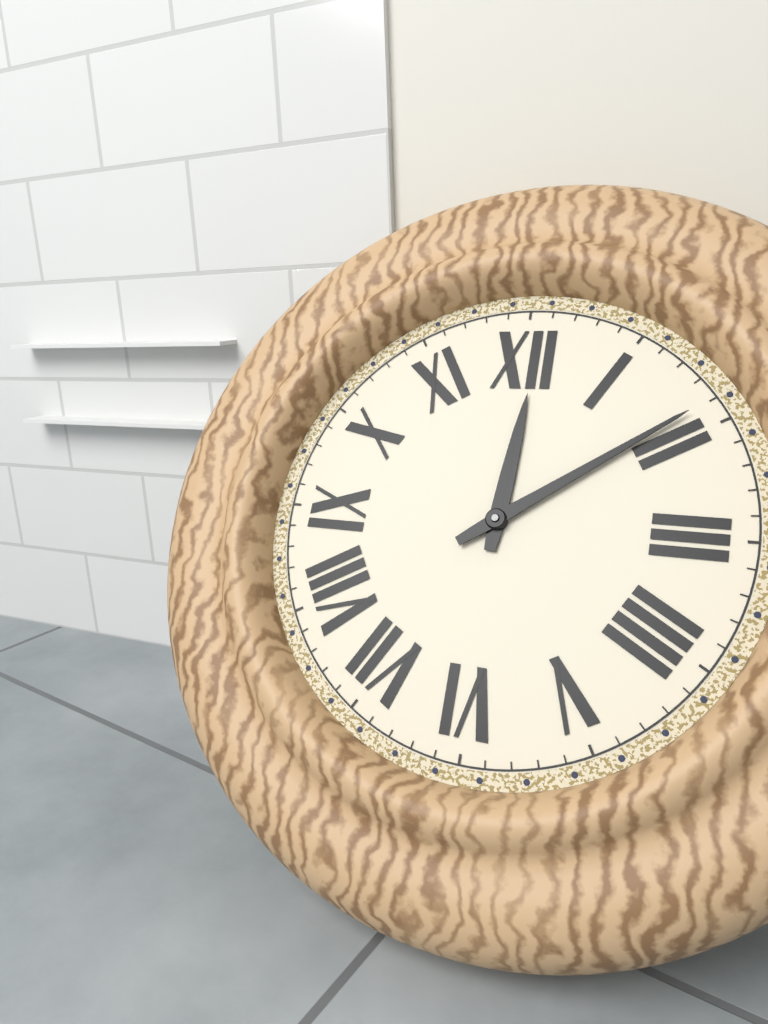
12:09
